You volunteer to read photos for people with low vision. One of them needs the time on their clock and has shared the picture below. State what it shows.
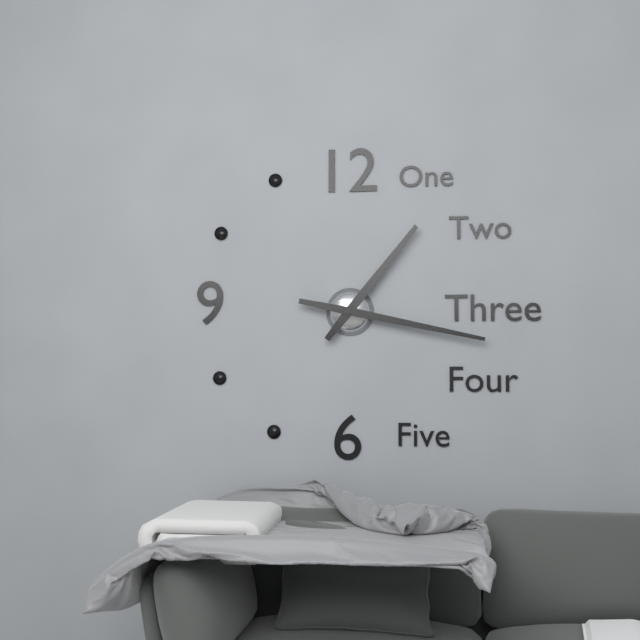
1:17
